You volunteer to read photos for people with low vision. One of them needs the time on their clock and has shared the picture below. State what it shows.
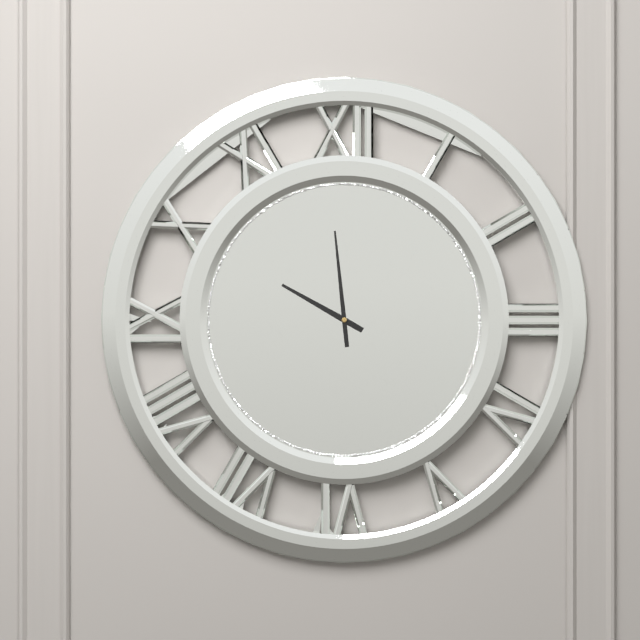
9:59
